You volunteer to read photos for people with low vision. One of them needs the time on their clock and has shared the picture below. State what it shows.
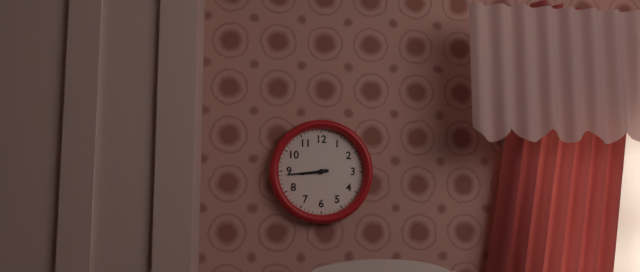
8:44
